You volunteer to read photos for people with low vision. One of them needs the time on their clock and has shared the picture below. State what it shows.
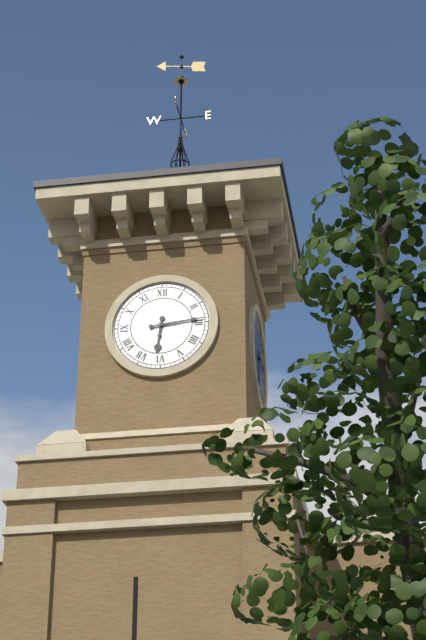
6:14
